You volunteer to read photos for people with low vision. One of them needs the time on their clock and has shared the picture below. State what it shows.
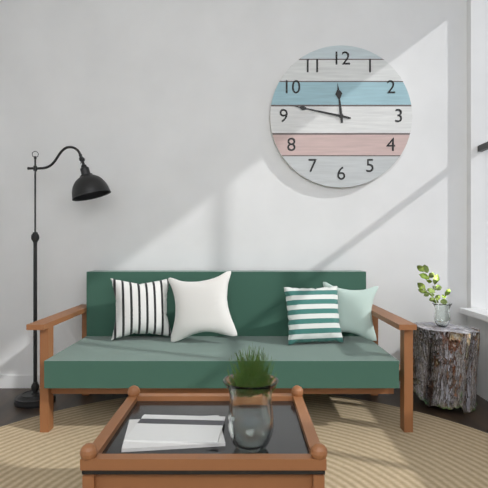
11:47
